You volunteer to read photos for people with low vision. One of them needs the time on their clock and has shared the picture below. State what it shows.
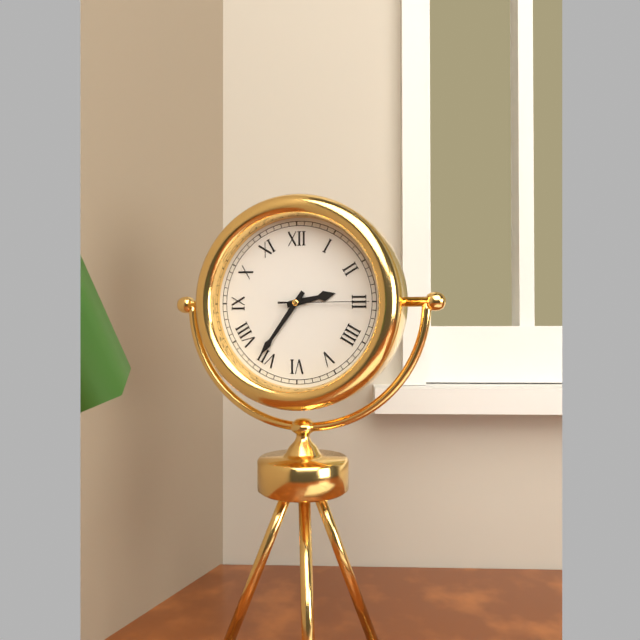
2:36:15
